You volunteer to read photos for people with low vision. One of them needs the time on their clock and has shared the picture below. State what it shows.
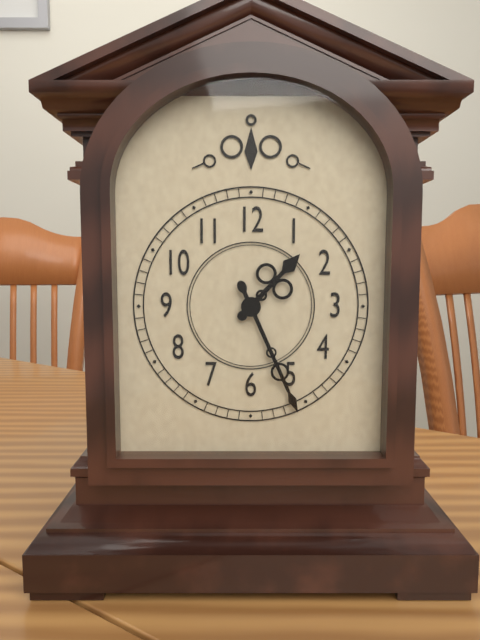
1:26
